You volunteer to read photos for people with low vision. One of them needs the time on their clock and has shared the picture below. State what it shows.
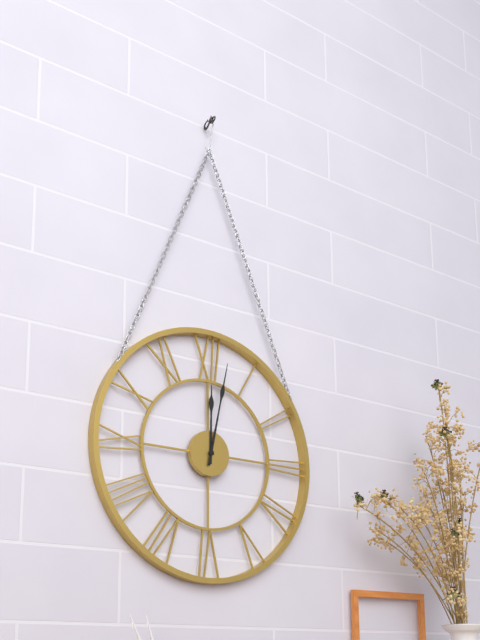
12:02
